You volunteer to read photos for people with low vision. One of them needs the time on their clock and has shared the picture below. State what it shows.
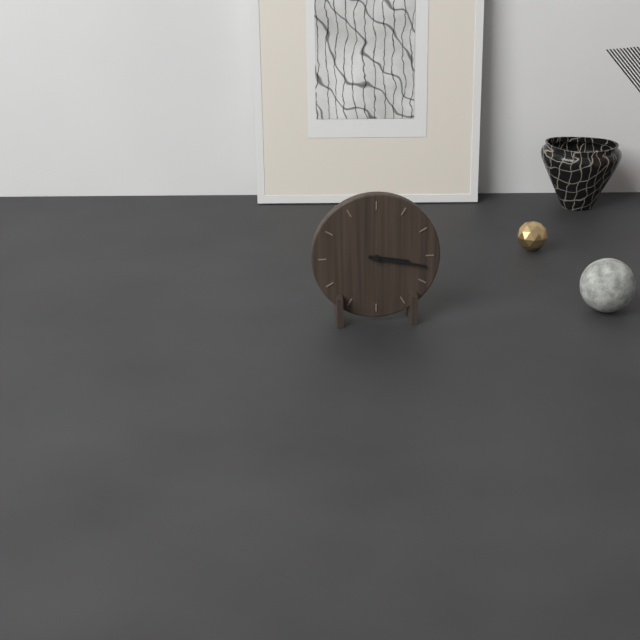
3:17
